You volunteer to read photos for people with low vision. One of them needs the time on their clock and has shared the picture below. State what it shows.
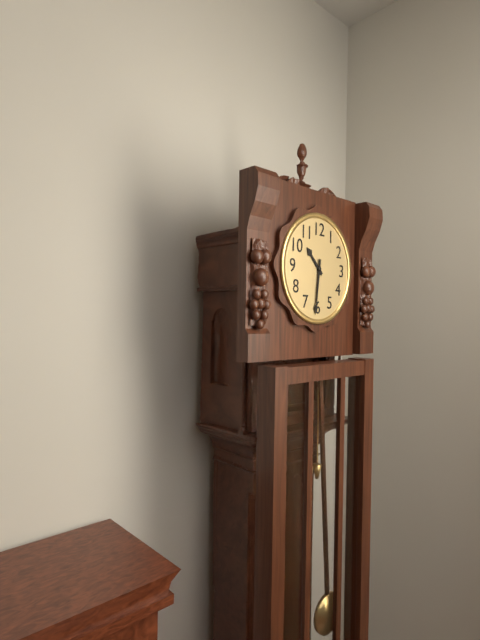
10:31
